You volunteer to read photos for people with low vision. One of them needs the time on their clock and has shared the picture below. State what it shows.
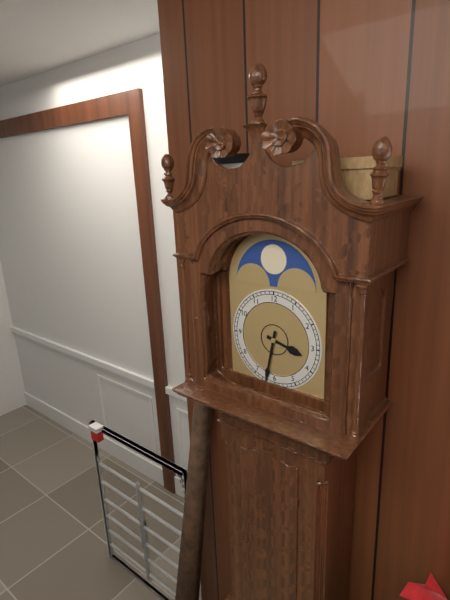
3:32
